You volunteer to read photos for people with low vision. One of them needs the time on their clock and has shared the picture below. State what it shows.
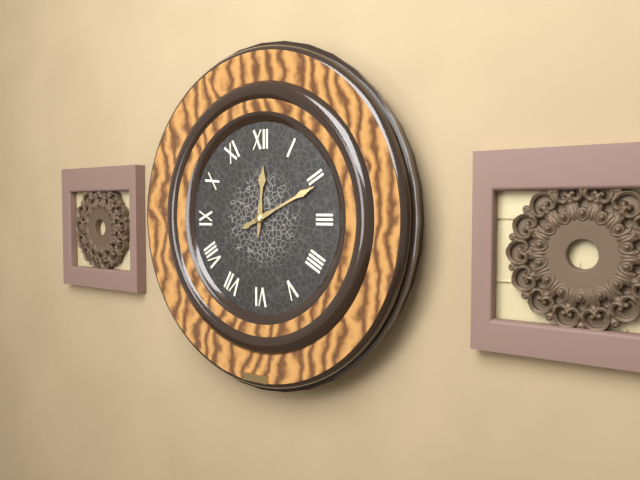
12:11
